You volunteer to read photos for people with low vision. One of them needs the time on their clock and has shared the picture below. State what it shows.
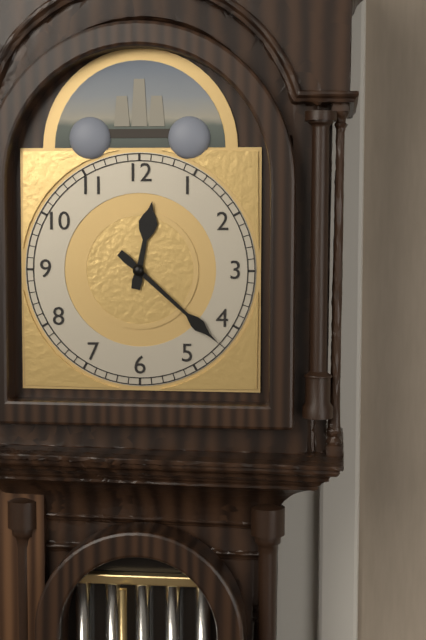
12:22
